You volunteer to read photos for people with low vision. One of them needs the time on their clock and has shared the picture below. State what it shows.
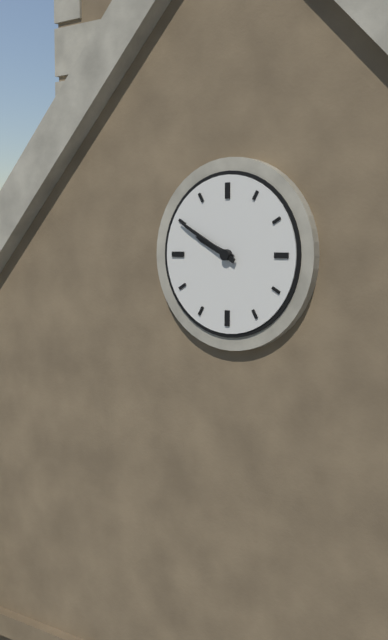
9:50
